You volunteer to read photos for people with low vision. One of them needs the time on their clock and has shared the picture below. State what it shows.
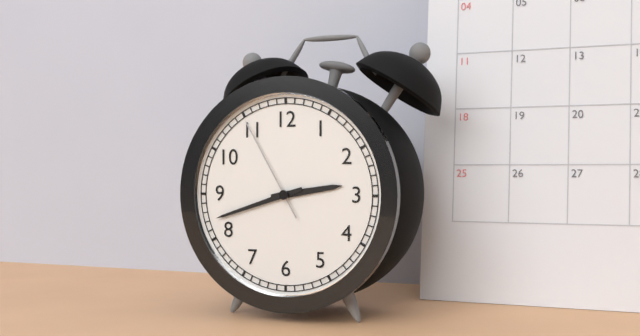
2:42:55
